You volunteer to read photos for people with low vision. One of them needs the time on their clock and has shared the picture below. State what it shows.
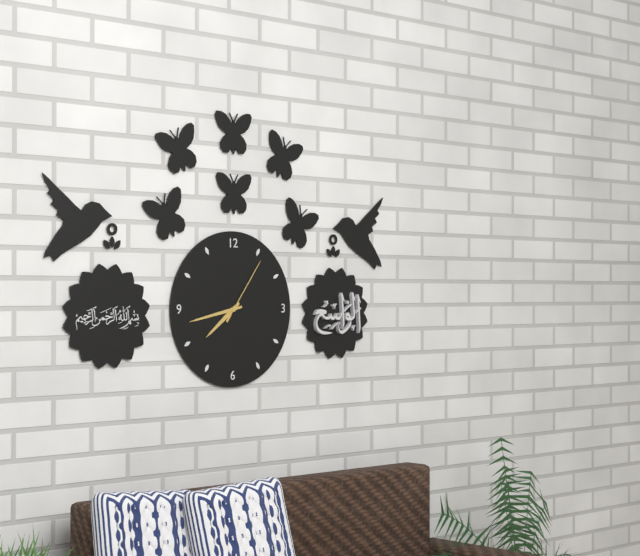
7:43:06
